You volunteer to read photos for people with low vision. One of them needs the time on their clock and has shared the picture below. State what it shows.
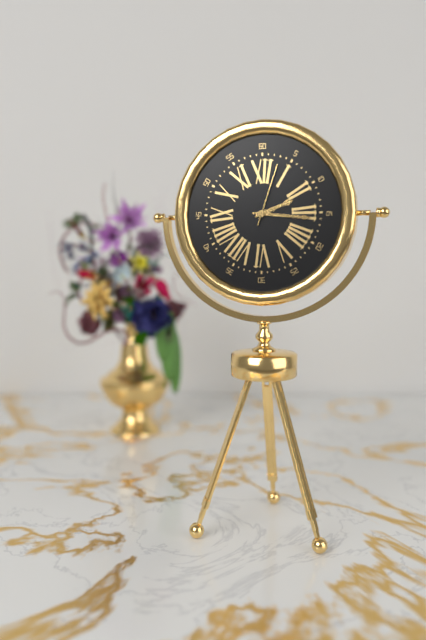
2:16:03
